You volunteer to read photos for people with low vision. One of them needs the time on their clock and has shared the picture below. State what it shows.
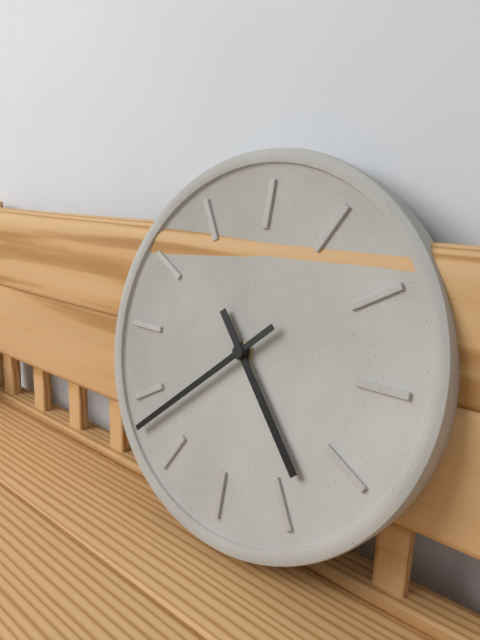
4:38
